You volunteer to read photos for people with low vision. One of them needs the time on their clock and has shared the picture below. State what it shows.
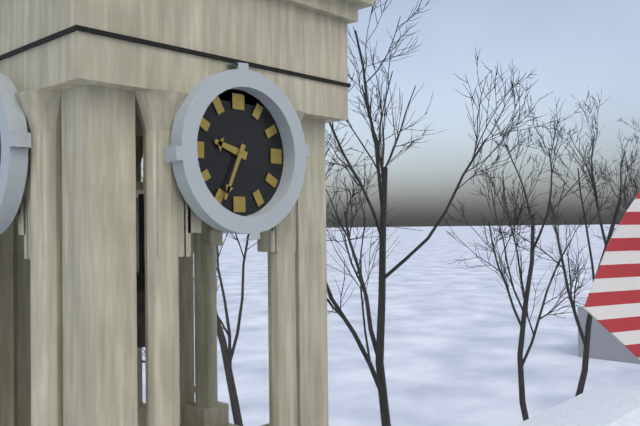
9:34
